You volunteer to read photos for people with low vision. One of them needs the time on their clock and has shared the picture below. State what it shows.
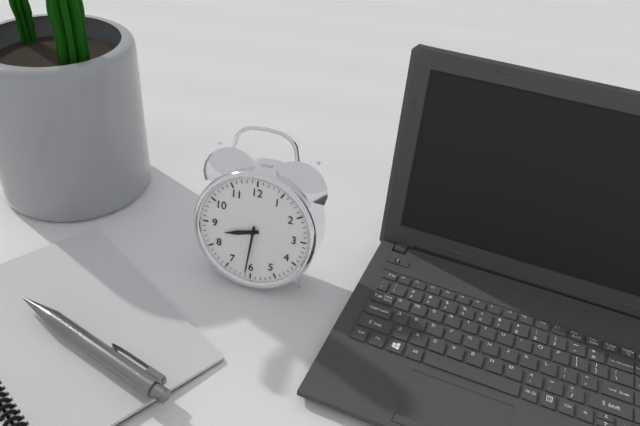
8:31
